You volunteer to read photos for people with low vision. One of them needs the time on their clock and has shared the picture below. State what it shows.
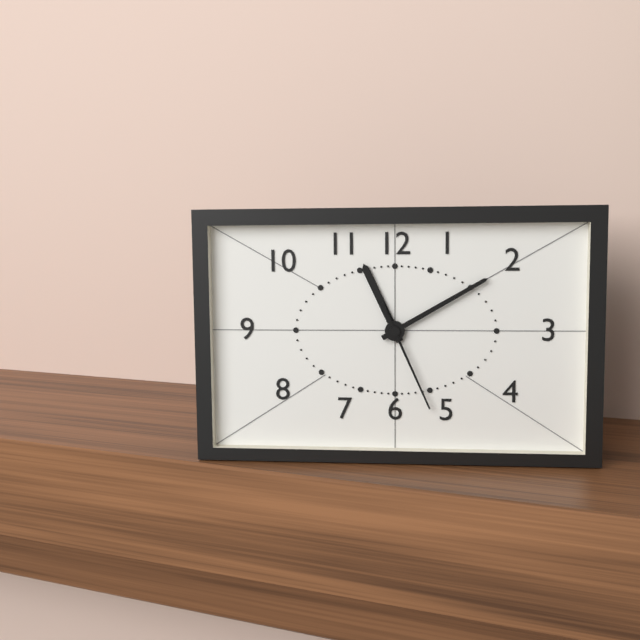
11:10:26
